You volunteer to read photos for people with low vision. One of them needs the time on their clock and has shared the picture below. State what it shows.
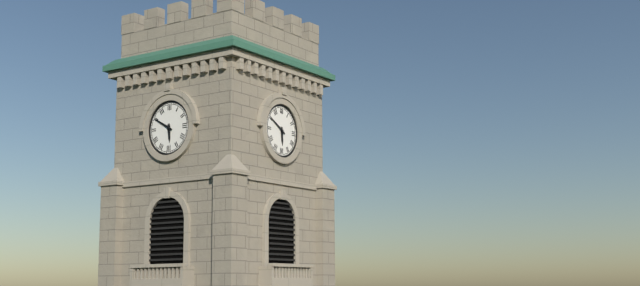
5:50
